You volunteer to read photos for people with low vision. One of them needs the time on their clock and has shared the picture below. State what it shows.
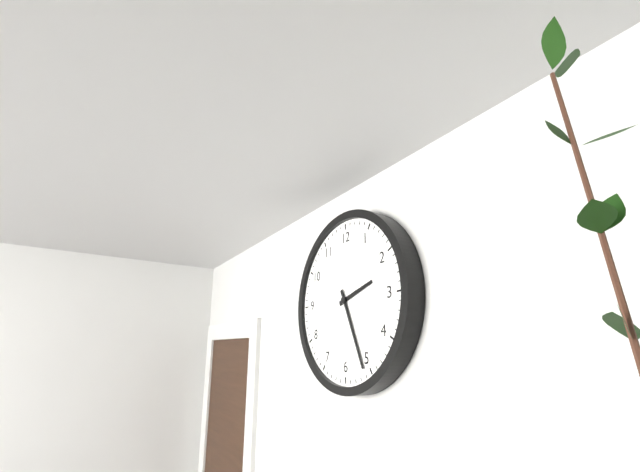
2:26
